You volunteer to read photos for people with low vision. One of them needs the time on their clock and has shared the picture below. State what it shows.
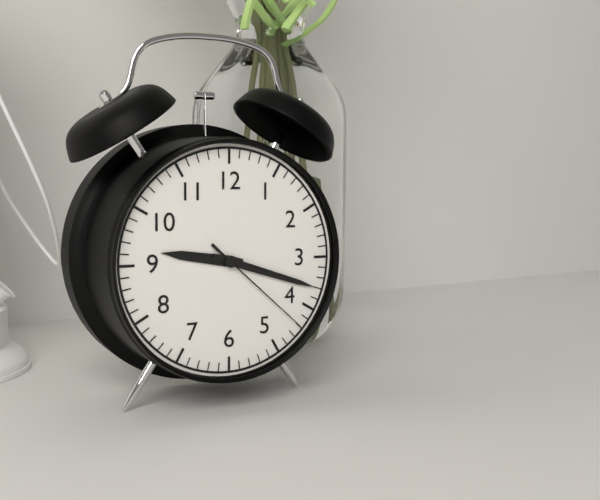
9:18:22
